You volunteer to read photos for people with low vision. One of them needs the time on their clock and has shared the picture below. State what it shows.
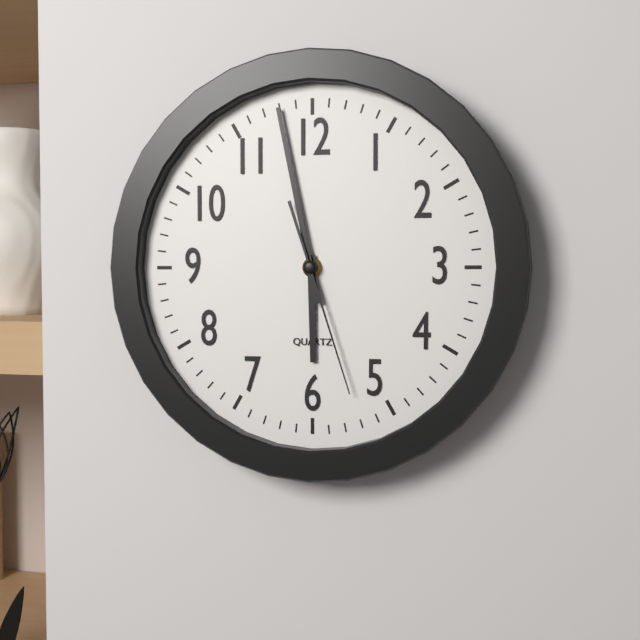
5:58:27
